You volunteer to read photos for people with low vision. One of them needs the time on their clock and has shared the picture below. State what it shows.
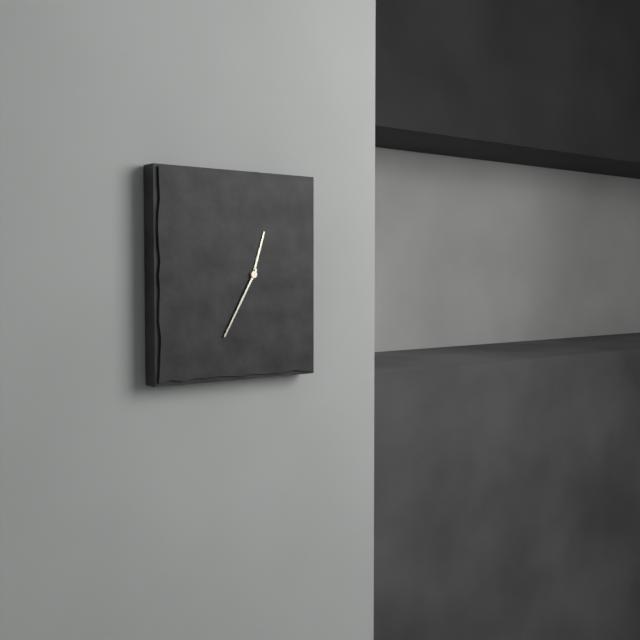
12:35
